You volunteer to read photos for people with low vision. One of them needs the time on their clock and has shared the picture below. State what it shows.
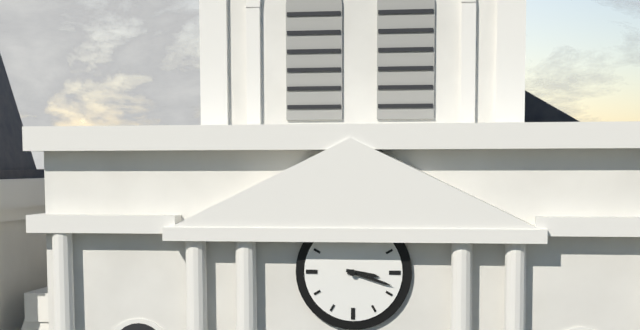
3:18
